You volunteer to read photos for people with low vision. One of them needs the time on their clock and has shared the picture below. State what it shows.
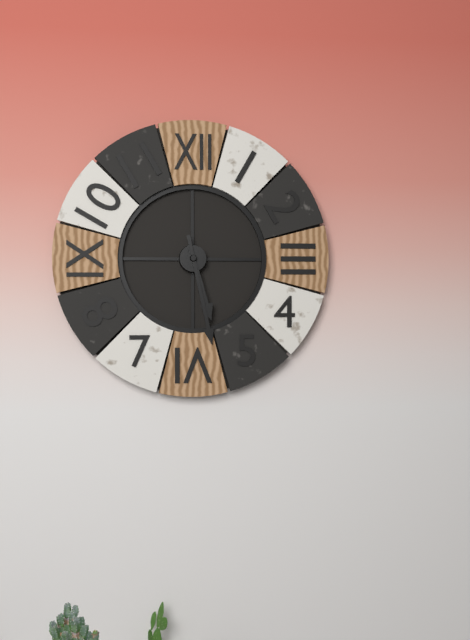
5:28
